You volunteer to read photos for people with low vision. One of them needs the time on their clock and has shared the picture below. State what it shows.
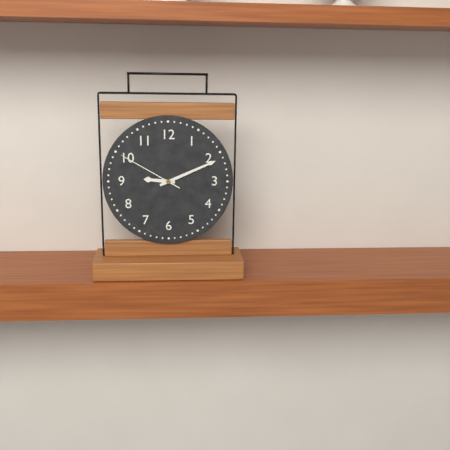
9:11:50
